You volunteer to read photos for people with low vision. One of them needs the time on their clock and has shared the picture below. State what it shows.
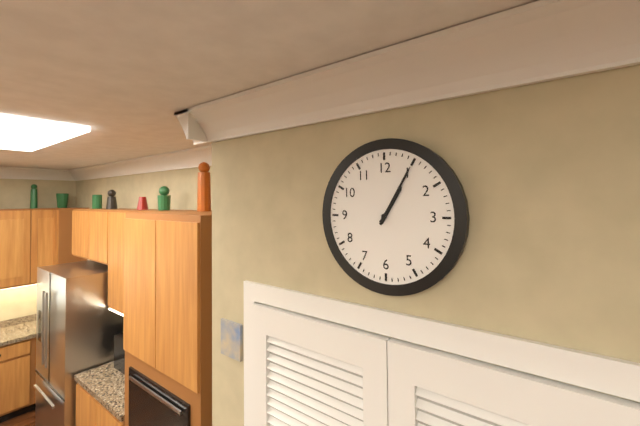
1:05
